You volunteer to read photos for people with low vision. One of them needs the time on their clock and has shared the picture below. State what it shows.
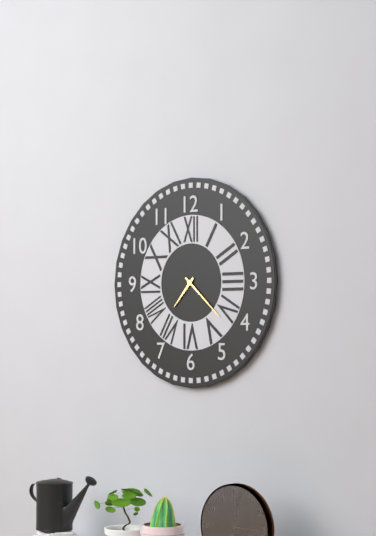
7:22
